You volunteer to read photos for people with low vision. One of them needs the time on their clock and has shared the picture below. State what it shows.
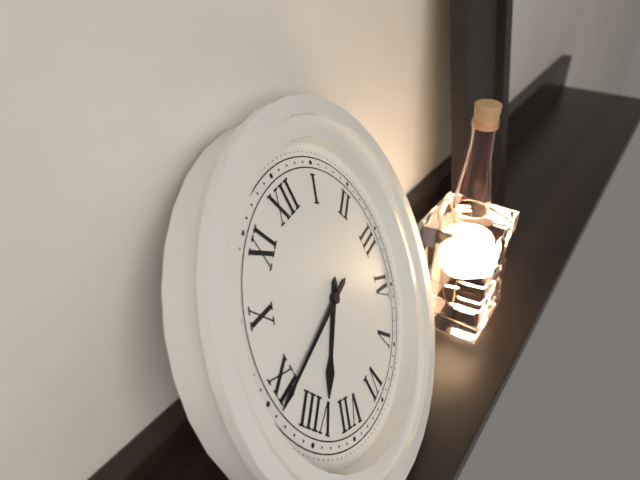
7:44
